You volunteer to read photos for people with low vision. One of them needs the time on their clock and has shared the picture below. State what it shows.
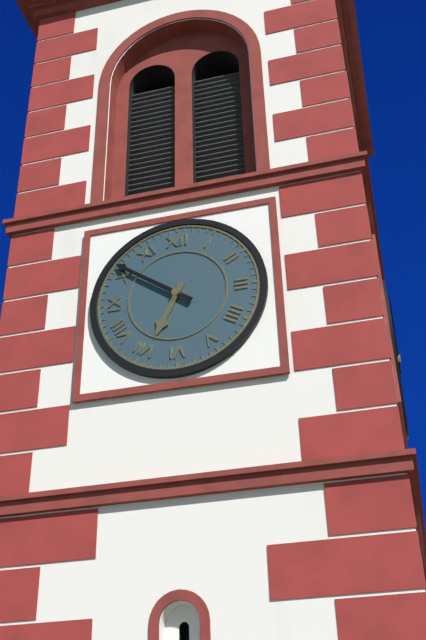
6:51
